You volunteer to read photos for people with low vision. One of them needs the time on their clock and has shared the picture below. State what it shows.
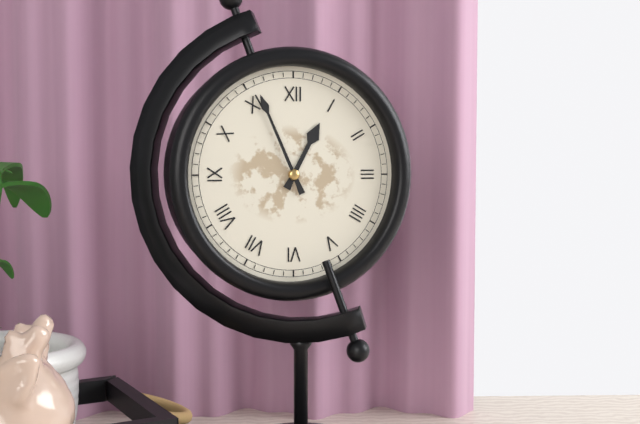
12:56
